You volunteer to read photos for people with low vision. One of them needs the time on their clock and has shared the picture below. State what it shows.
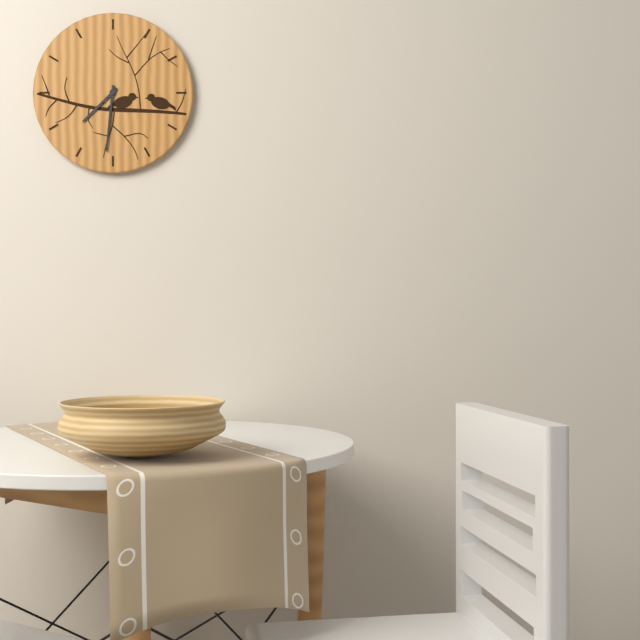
7:31
